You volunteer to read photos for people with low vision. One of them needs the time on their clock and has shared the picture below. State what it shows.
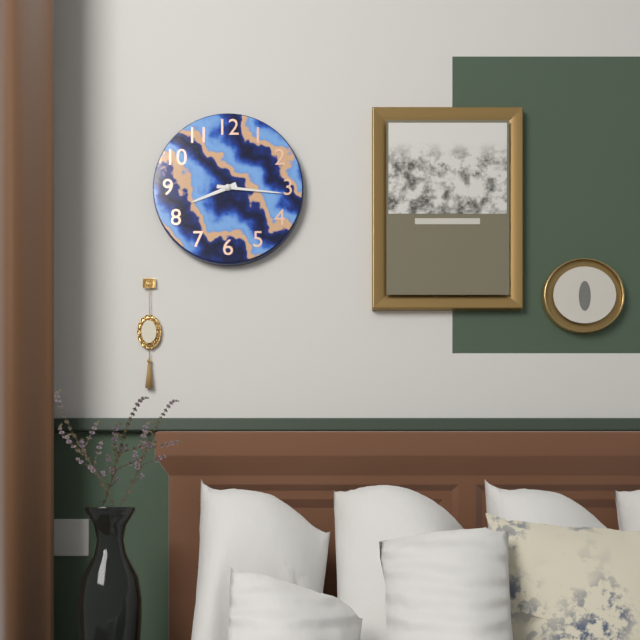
8:16
